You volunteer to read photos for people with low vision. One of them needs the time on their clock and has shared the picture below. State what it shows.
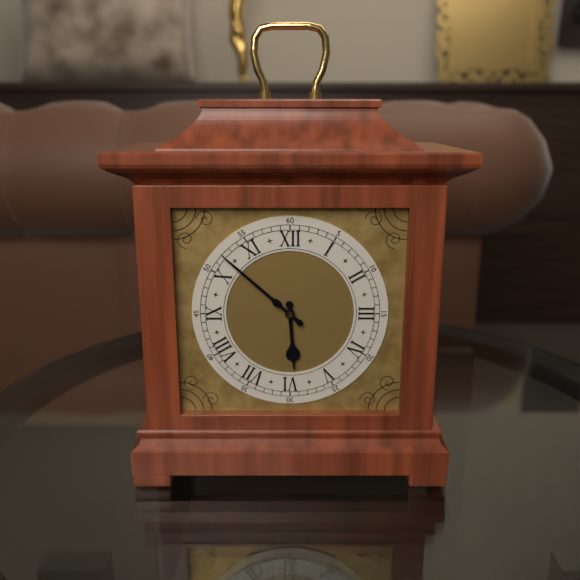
5:52
